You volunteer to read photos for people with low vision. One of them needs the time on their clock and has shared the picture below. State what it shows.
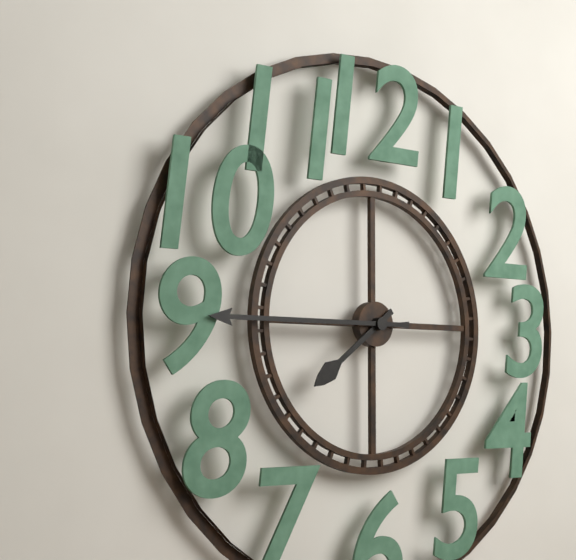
7:45
